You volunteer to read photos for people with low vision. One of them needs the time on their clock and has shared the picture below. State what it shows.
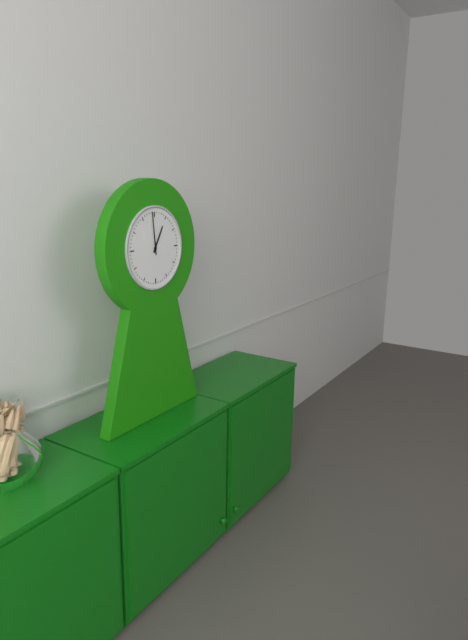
12:59
